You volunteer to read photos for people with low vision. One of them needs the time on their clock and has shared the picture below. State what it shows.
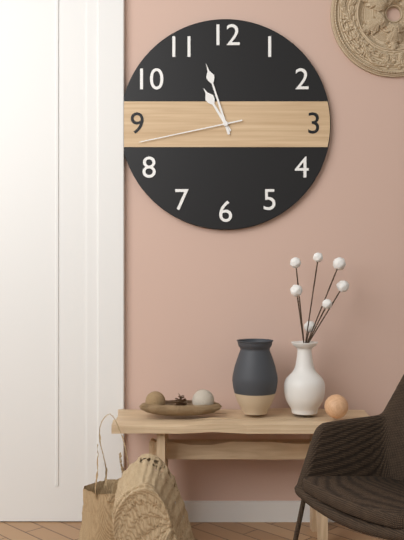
10:57:43
